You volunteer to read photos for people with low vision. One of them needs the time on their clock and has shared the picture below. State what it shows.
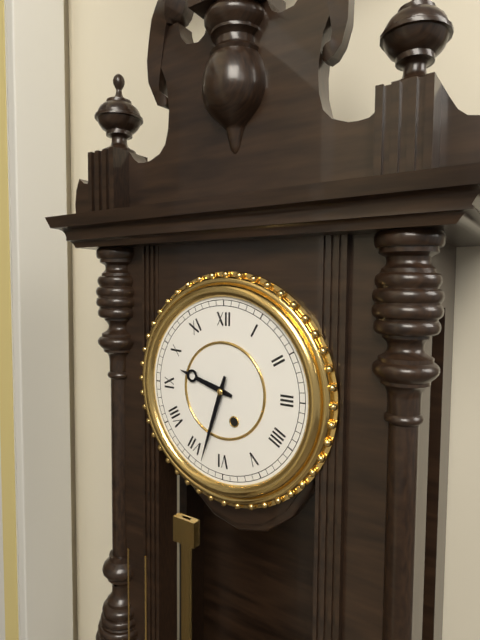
9:33
